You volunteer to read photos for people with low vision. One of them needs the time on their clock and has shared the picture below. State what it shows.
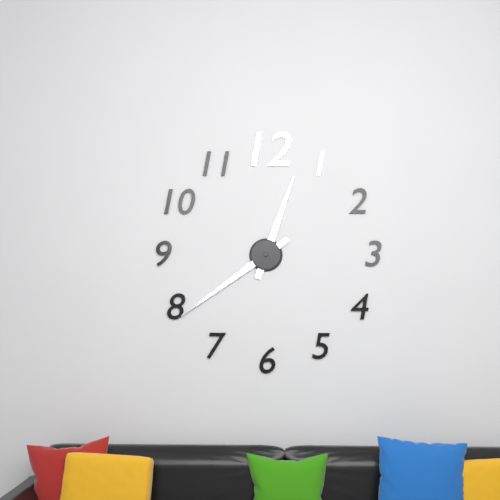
12:39
